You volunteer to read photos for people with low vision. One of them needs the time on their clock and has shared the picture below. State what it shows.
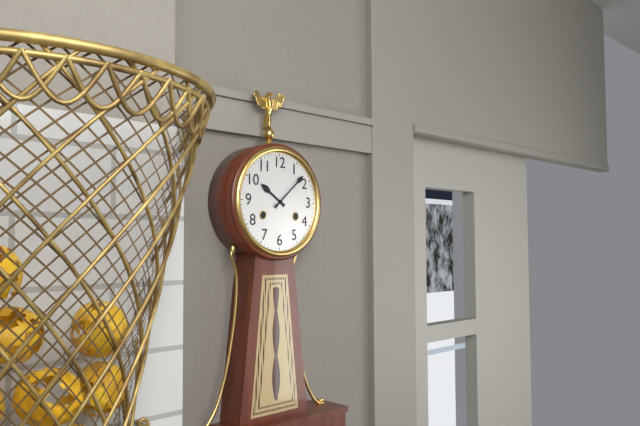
10:08
